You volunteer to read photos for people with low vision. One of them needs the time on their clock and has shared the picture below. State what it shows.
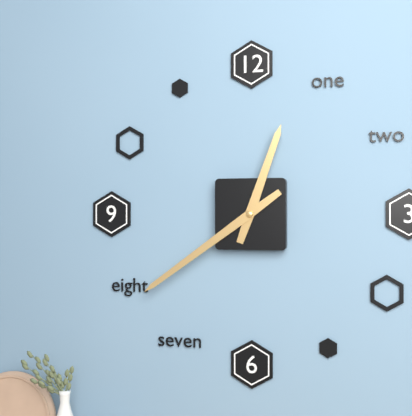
12:39
